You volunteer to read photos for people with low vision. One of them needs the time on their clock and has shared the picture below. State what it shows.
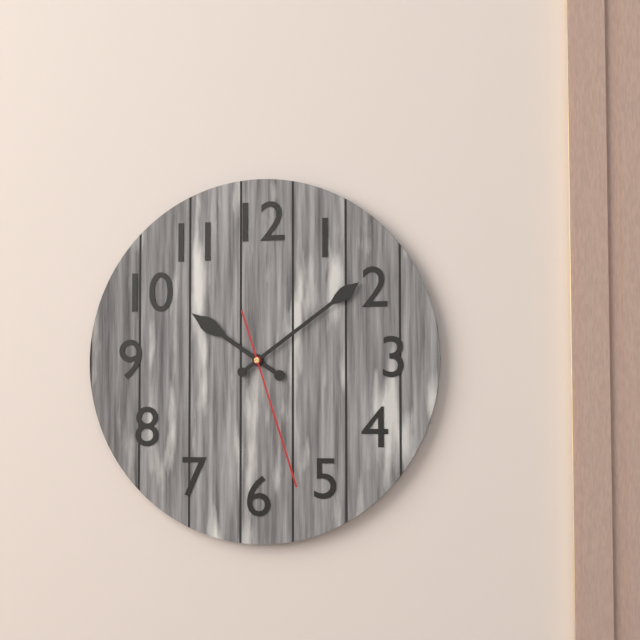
10:09:27
